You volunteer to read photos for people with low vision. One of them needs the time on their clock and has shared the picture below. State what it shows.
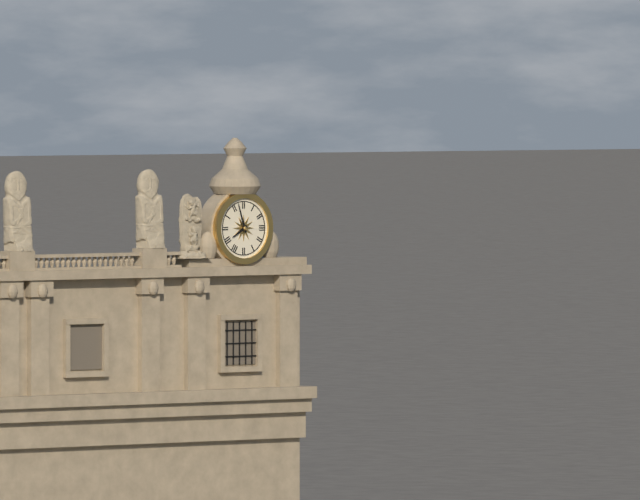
7:57
